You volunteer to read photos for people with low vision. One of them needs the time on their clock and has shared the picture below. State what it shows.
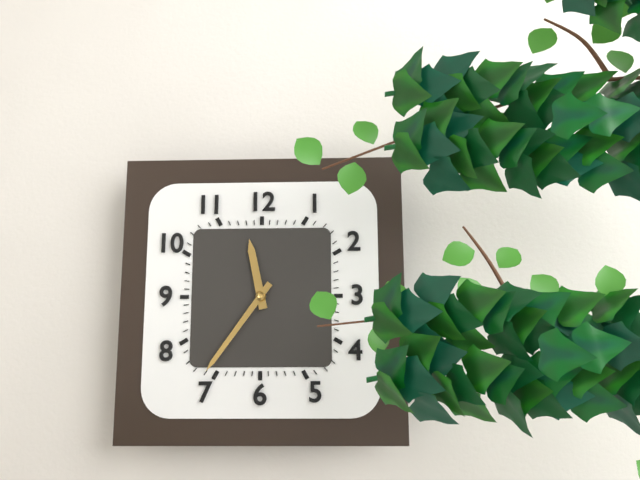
11:36
